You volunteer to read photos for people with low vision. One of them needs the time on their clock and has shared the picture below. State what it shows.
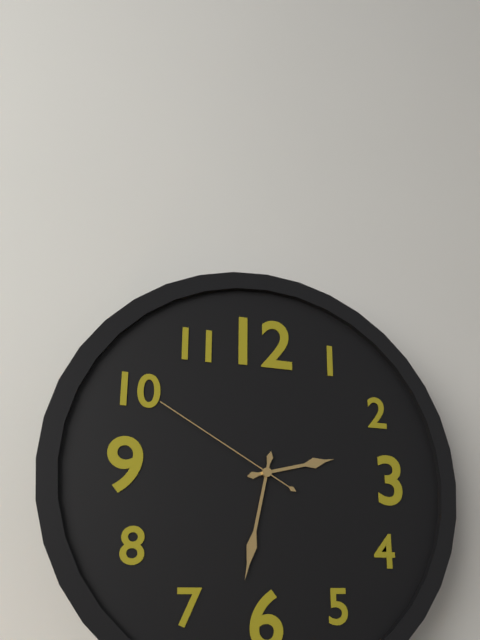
2:32:50
